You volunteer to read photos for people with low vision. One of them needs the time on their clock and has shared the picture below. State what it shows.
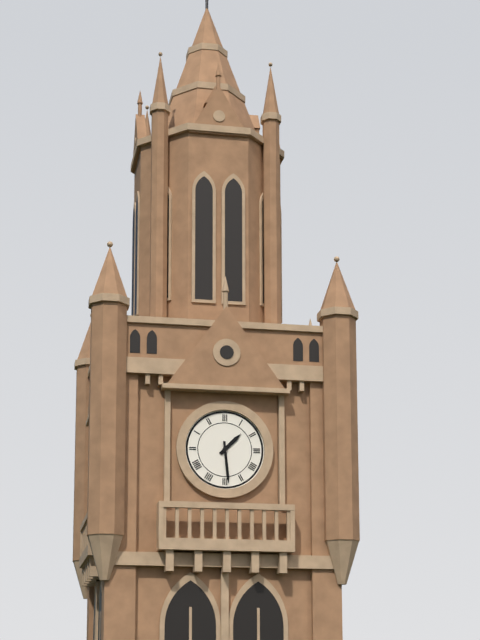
1:29
